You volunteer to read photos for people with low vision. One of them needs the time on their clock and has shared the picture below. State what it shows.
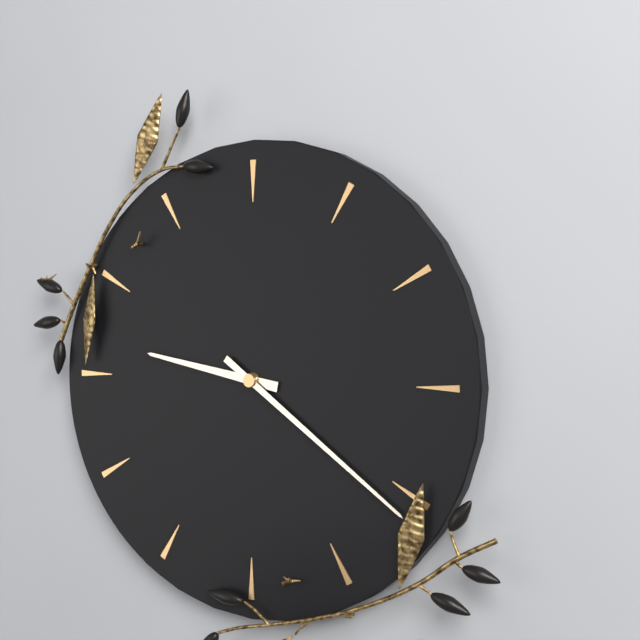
9:21
